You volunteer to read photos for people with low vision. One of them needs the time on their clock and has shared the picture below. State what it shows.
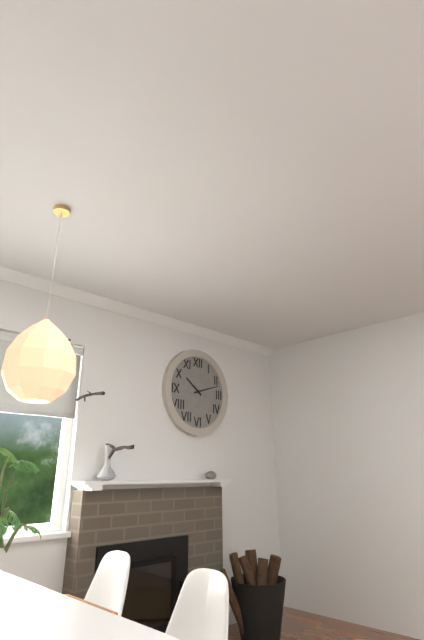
10:12
